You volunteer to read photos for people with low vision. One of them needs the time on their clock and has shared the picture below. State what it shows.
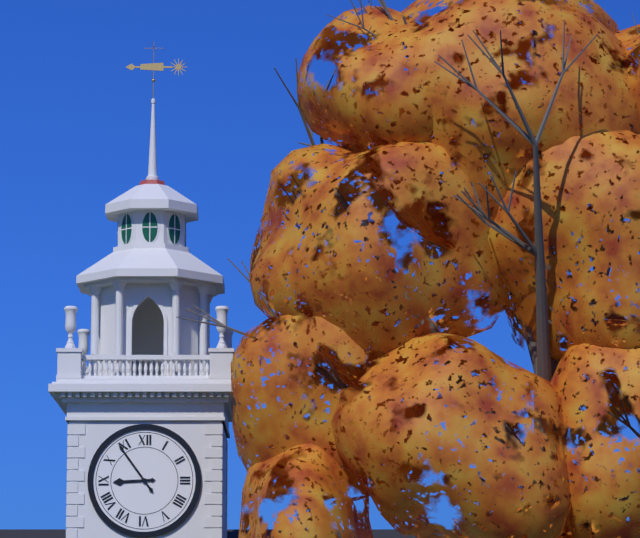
8:54
